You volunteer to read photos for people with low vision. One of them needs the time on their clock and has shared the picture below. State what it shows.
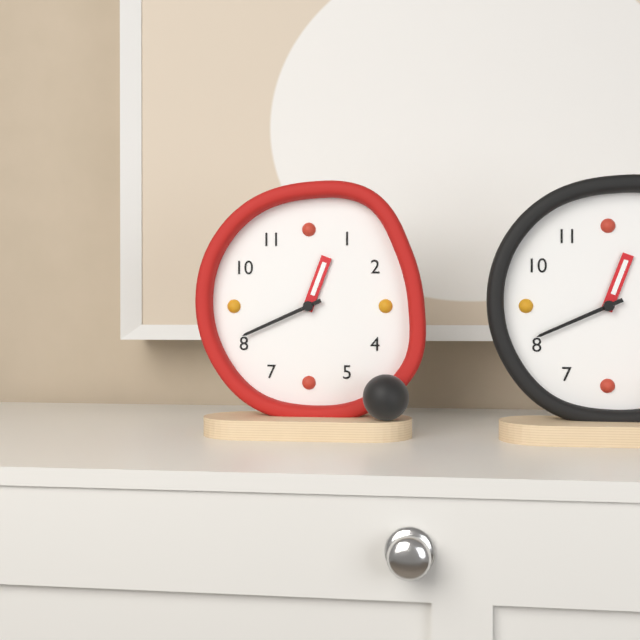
12:41
